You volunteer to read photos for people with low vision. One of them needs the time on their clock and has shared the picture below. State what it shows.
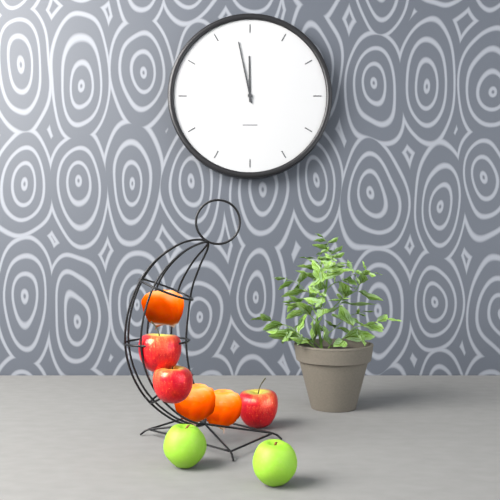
11:58
